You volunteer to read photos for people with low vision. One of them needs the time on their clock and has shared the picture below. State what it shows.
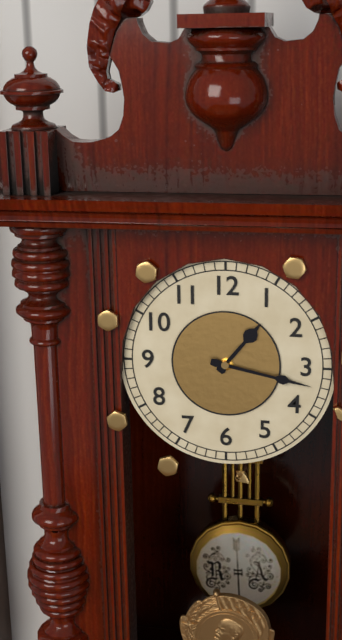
1:17
